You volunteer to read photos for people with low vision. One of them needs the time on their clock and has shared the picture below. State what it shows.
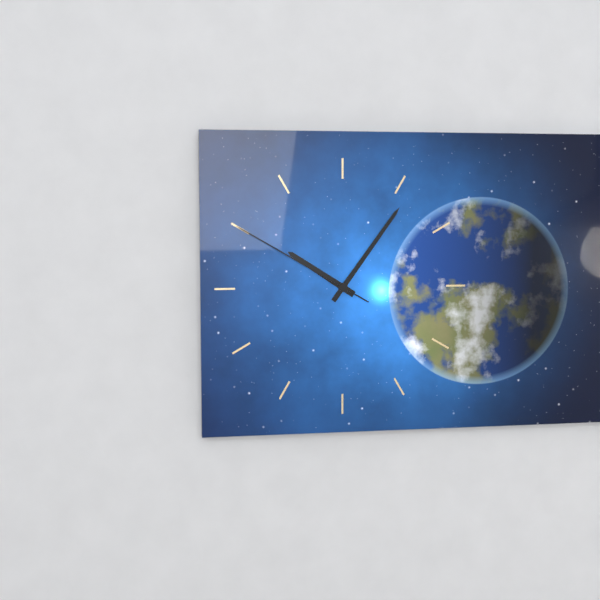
10:06:50
